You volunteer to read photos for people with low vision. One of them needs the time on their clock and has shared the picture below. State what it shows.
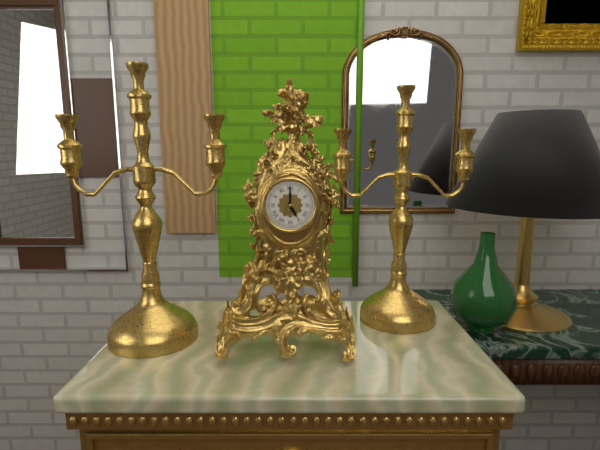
5:00
